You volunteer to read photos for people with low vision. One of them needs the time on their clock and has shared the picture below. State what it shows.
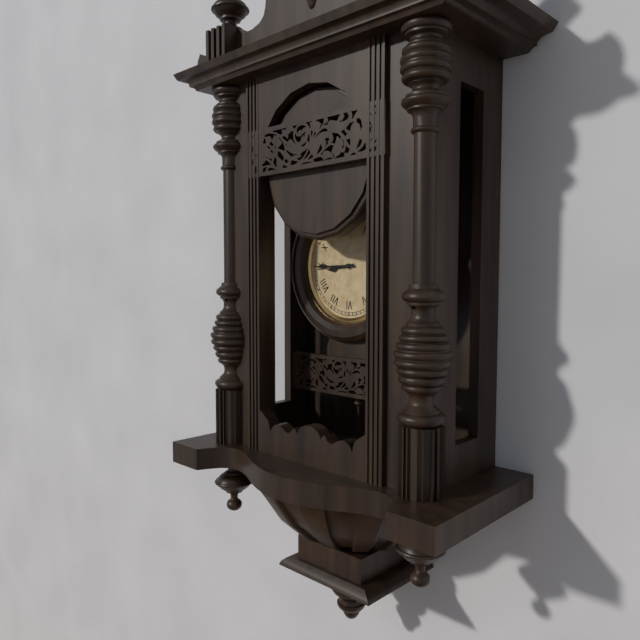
8:45
